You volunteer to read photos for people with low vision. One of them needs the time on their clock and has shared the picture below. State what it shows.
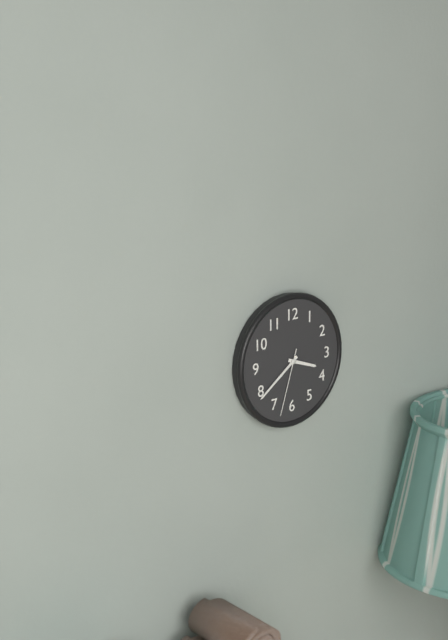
3:39:33
